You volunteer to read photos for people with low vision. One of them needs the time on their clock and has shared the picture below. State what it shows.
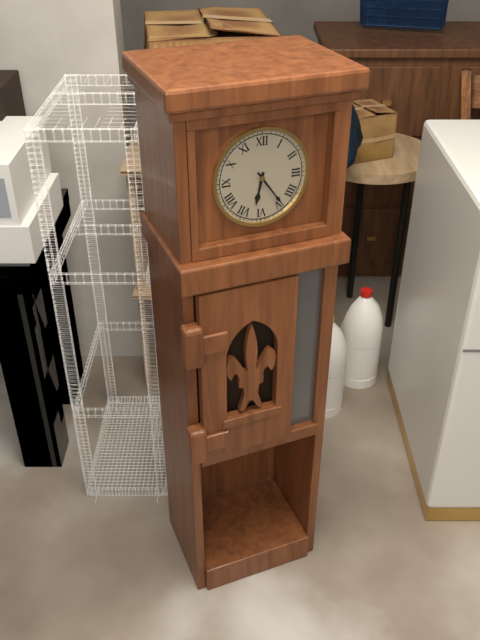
6:24
